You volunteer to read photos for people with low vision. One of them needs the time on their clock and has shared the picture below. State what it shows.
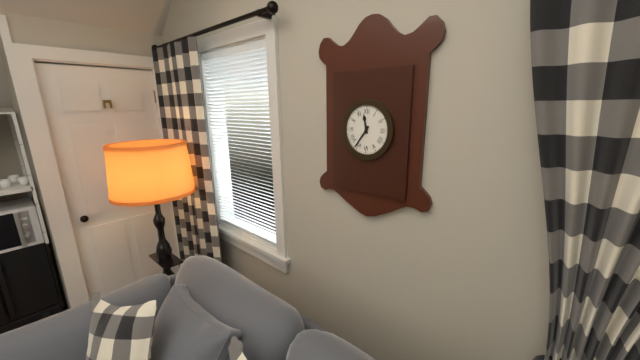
11:36
